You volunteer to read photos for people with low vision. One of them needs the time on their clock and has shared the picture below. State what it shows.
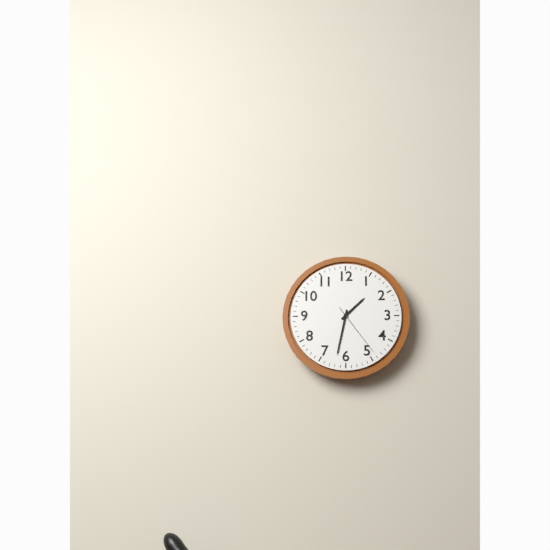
1:32:24
